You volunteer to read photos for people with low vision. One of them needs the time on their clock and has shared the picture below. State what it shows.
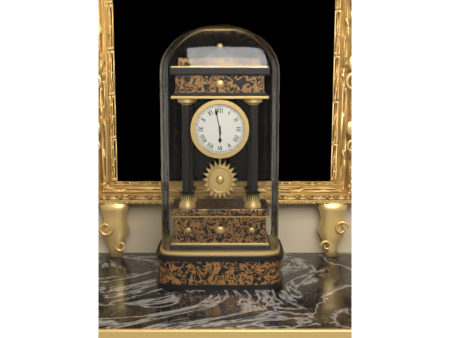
5:58
